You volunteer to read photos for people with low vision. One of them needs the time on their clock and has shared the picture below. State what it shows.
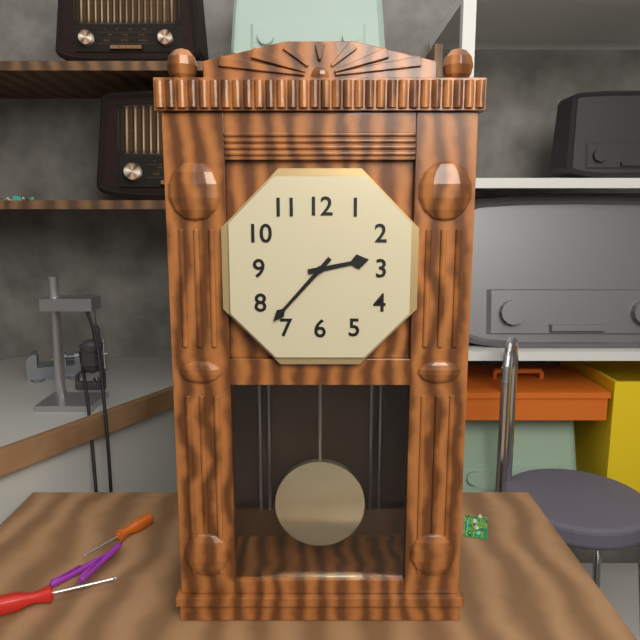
2:37
